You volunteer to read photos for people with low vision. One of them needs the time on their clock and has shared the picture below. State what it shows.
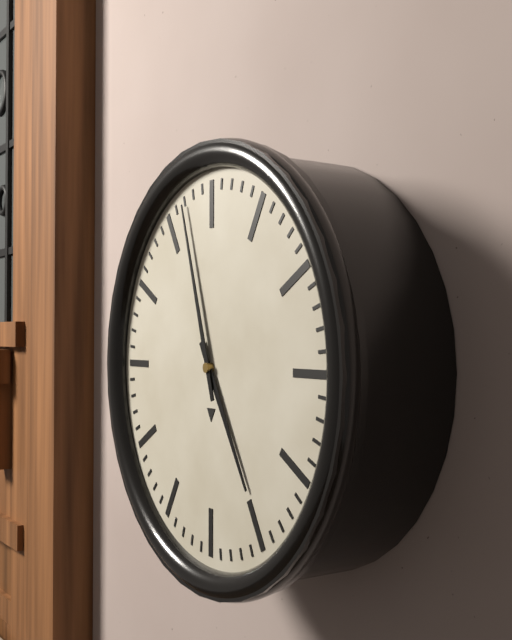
4:57
